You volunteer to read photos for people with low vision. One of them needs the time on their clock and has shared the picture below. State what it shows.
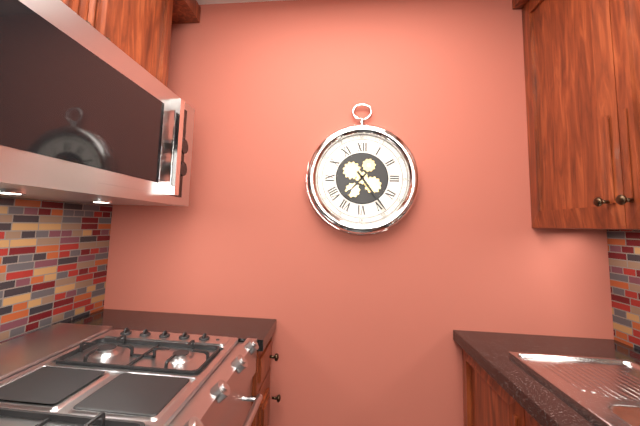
7:24
